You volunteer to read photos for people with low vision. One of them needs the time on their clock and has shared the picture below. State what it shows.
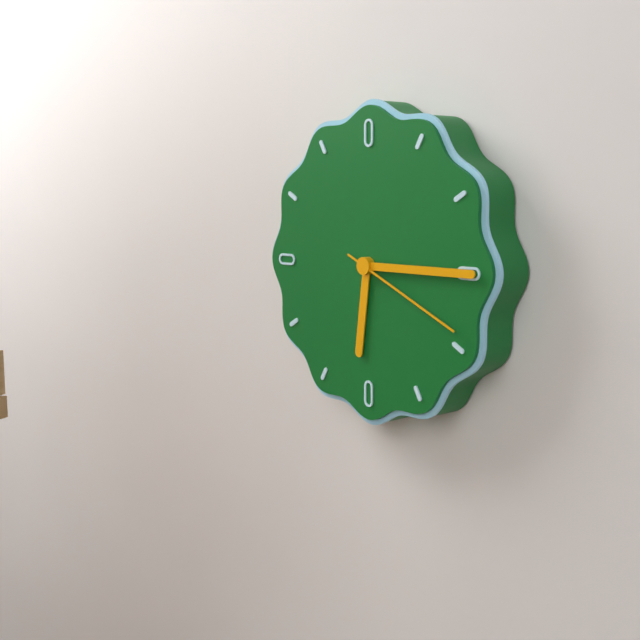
6:15:19
